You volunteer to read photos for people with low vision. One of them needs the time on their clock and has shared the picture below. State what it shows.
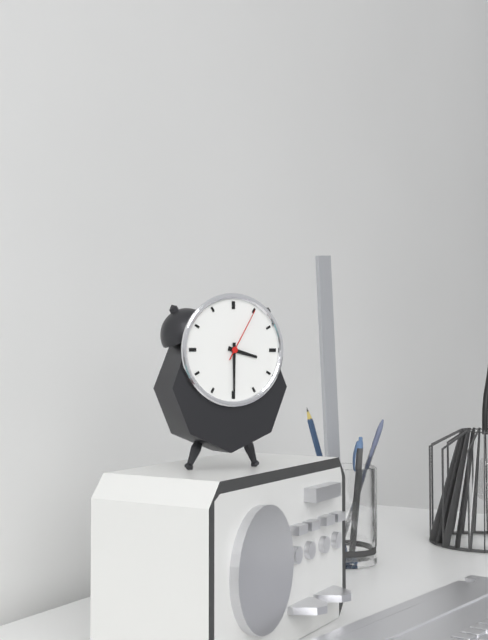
3:30:05
